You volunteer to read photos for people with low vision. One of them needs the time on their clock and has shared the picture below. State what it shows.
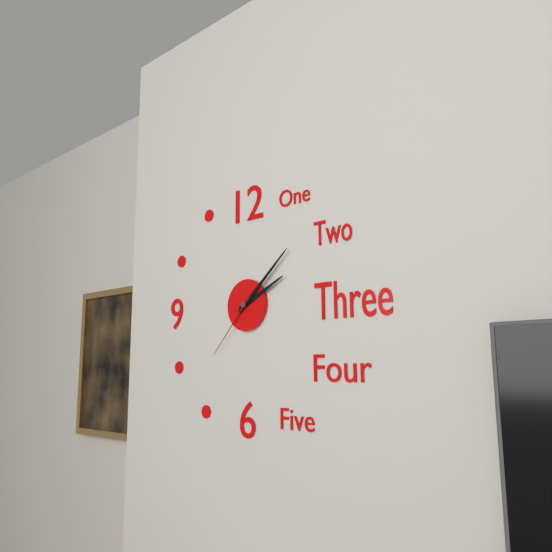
2:08:37
